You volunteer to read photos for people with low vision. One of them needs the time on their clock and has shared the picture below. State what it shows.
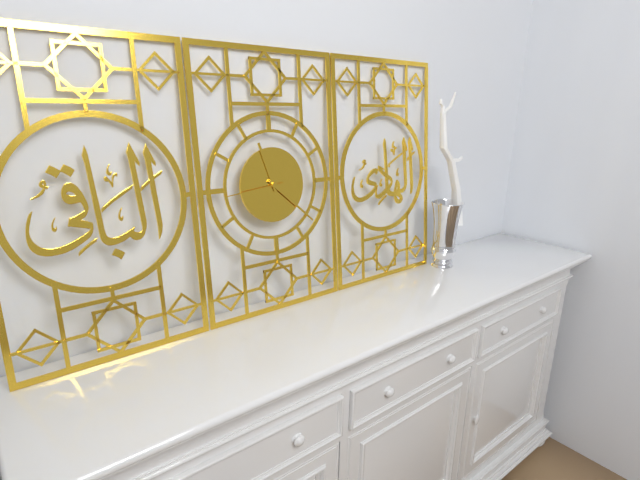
11:22:44
